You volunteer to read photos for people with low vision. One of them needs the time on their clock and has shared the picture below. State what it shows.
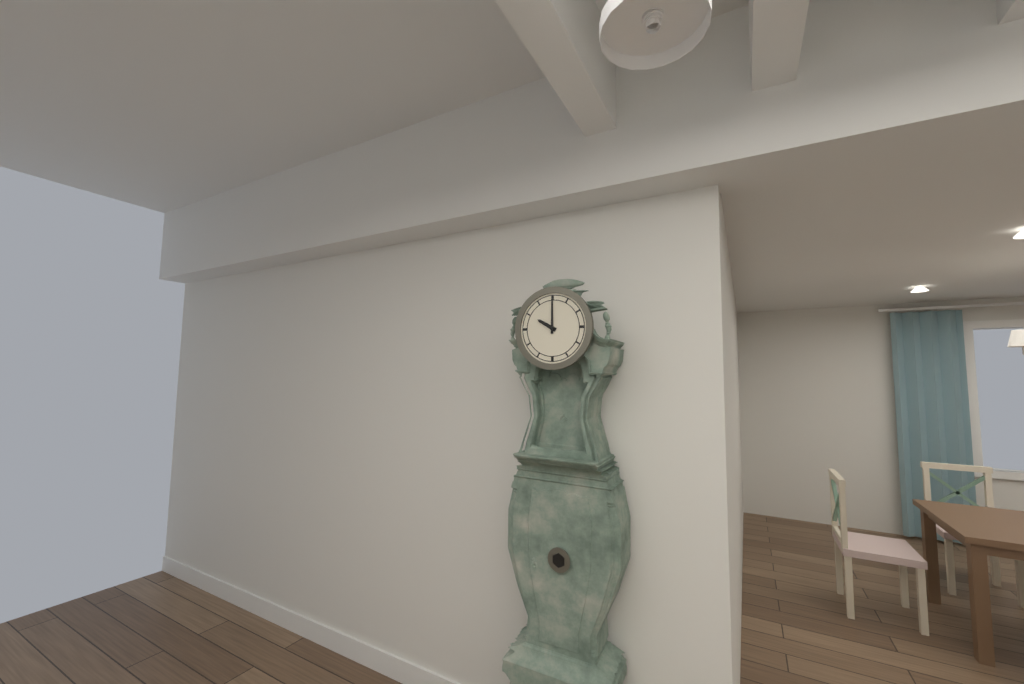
10:00
